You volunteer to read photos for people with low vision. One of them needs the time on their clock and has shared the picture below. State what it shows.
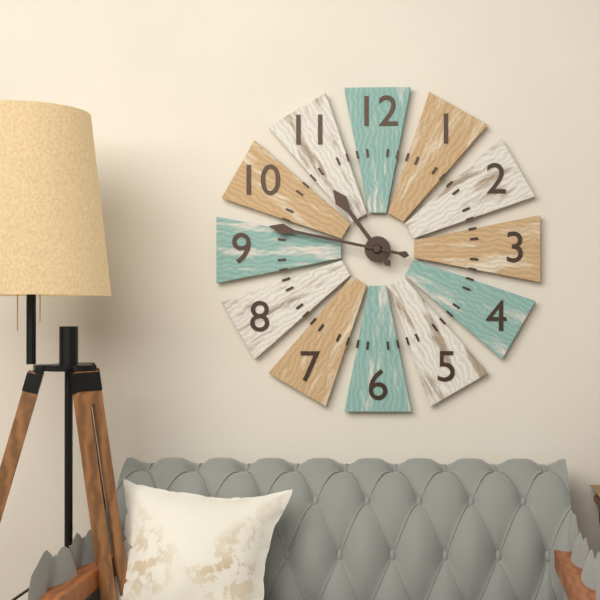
10:47
